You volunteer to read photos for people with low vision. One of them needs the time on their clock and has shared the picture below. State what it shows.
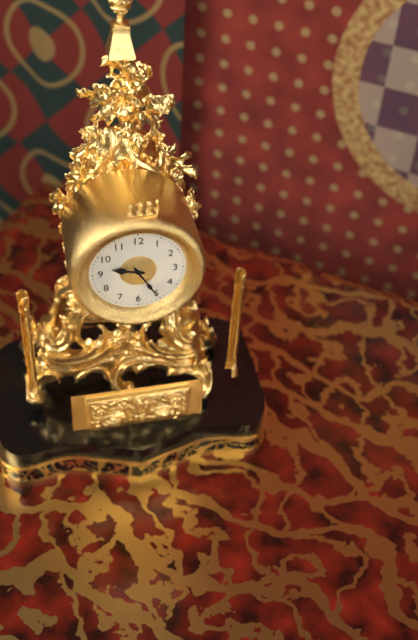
9:25
